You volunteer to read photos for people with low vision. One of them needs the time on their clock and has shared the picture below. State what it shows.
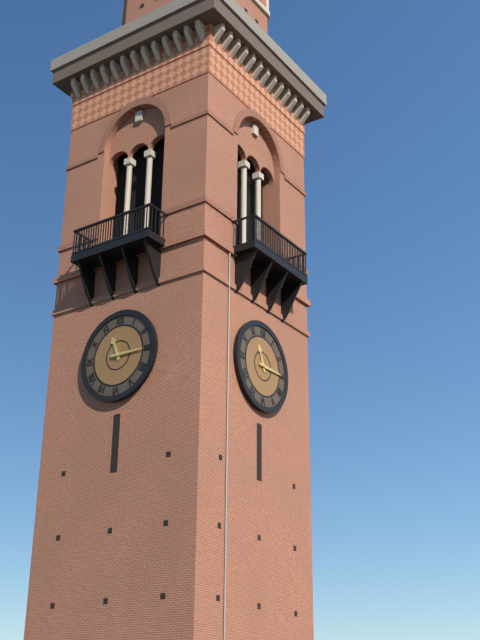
11:15
